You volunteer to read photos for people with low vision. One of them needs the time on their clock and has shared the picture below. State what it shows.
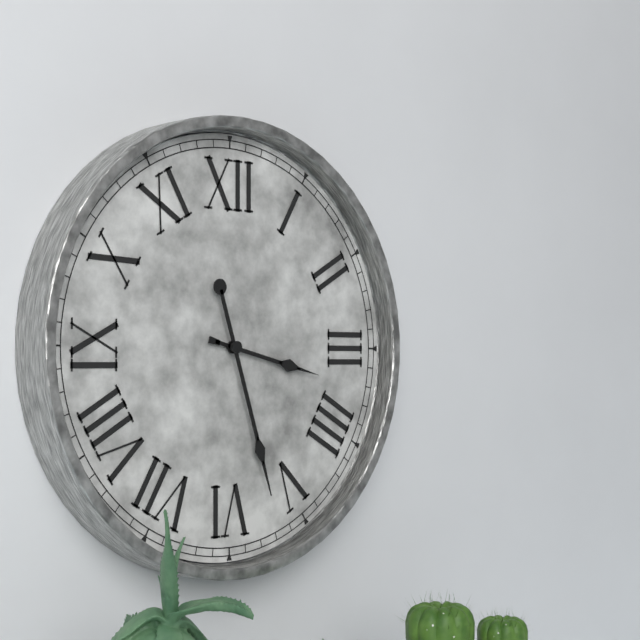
3:27
